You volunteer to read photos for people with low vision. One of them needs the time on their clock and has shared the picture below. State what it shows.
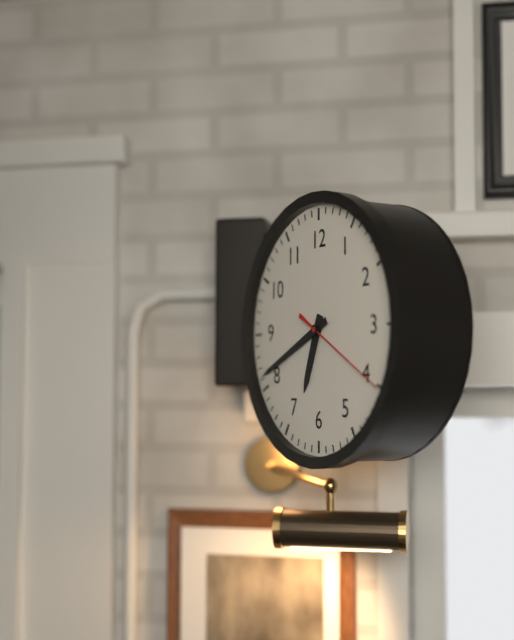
6:41:20
